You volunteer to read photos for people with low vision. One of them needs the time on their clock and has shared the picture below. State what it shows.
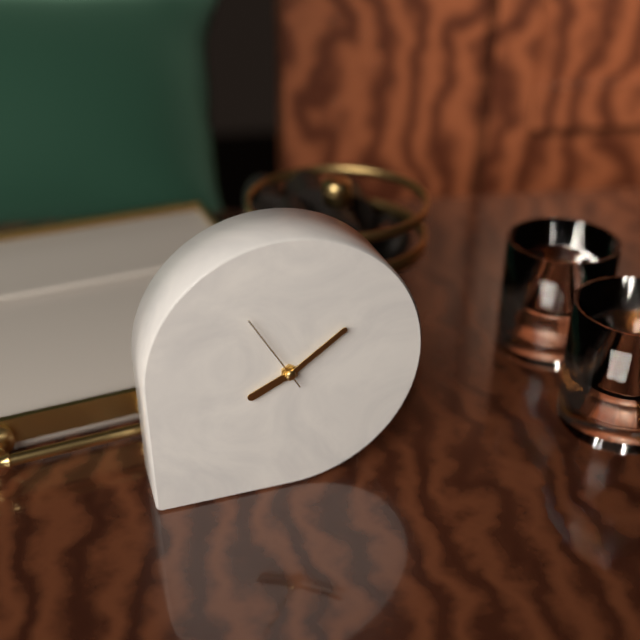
8:09:55
